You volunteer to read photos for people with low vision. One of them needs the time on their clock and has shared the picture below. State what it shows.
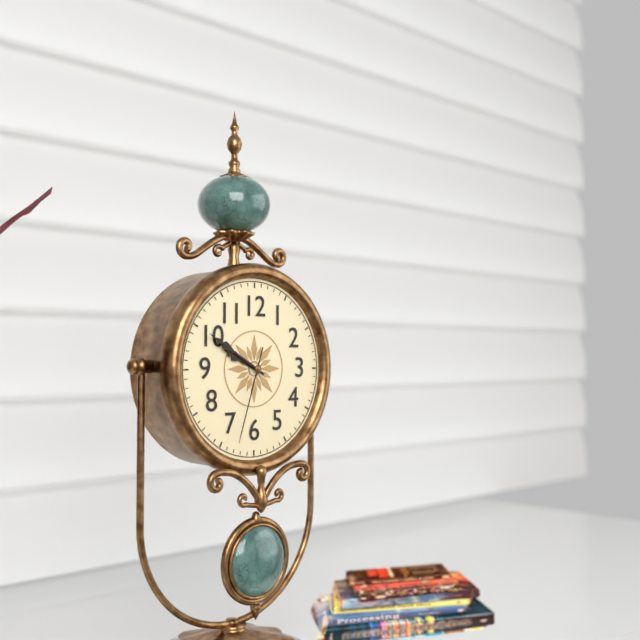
9:50:33
